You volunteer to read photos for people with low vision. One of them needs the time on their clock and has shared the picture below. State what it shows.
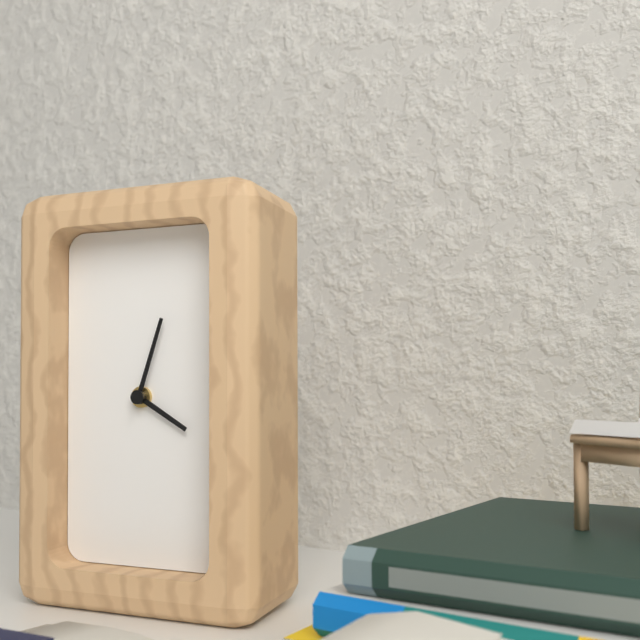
4:03
